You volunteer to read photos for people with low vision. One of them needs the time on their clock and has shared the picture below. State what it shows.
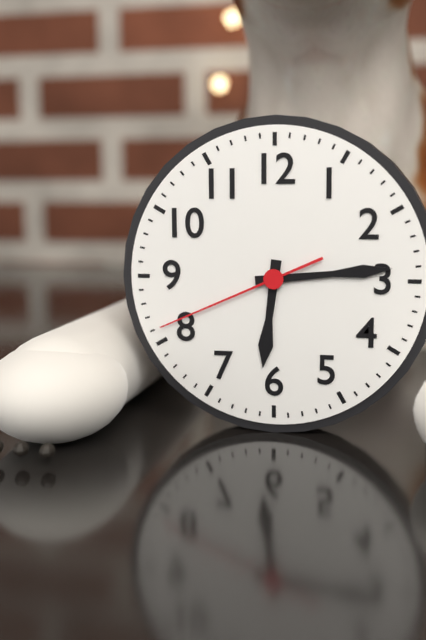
6:14:41
